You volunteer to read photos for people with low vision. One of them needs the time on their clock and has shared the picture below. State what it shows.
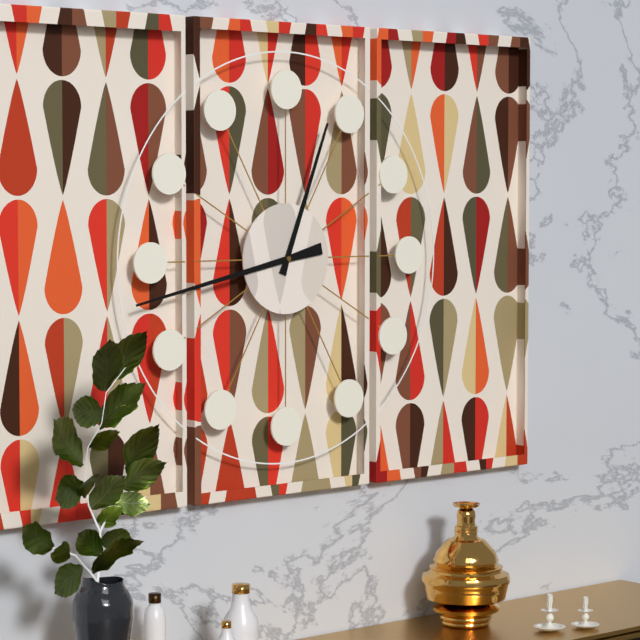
12:43
